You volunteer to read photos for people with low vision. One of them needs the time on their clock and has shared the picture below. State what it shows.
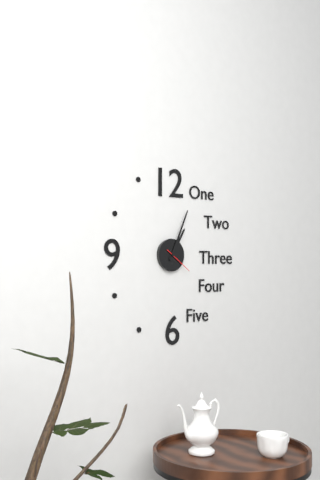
1:04
